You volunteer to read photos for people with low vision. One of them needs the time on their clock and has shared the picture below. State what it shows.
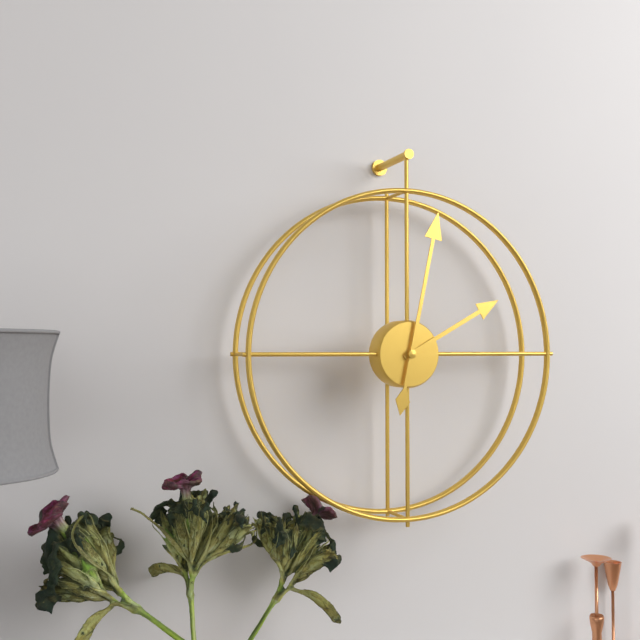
2:02
